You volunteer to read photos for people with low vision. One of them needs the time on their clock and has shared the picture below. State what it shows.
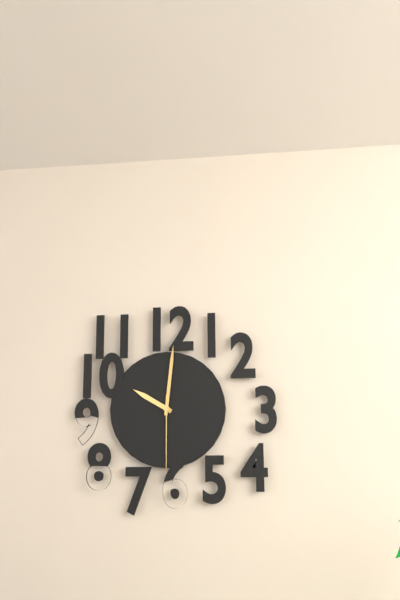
10:01:30
